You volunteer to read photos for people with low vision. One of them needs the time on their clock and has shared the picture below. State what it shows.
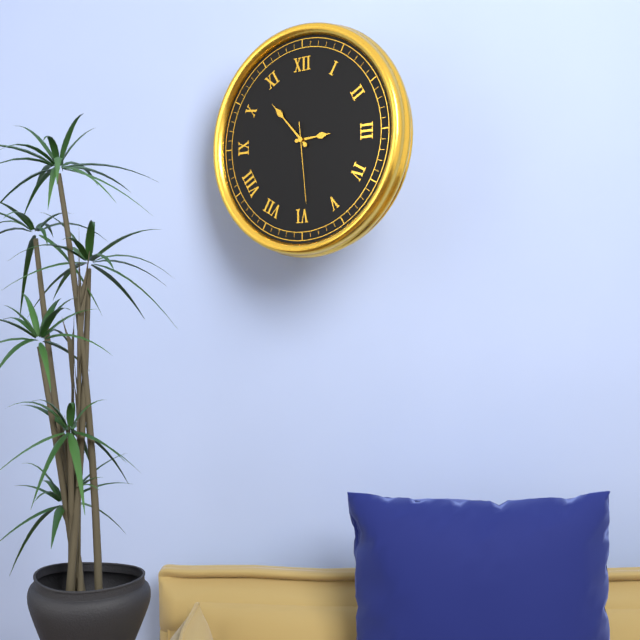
2:53:29
